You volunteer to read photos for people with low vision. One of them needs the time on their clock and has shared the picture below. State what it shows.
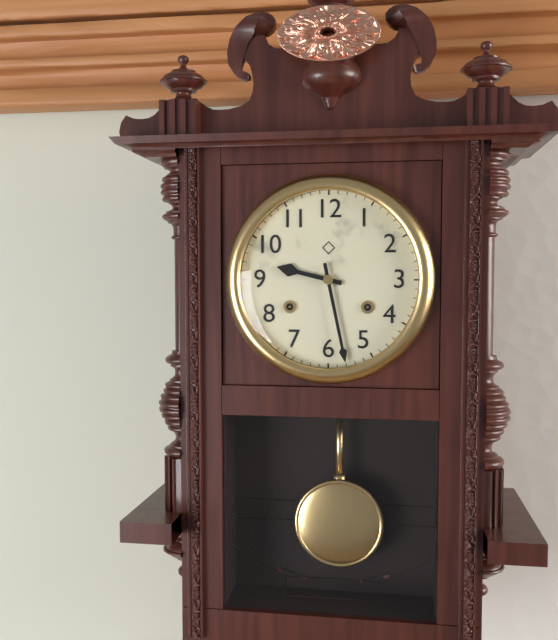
9:28
